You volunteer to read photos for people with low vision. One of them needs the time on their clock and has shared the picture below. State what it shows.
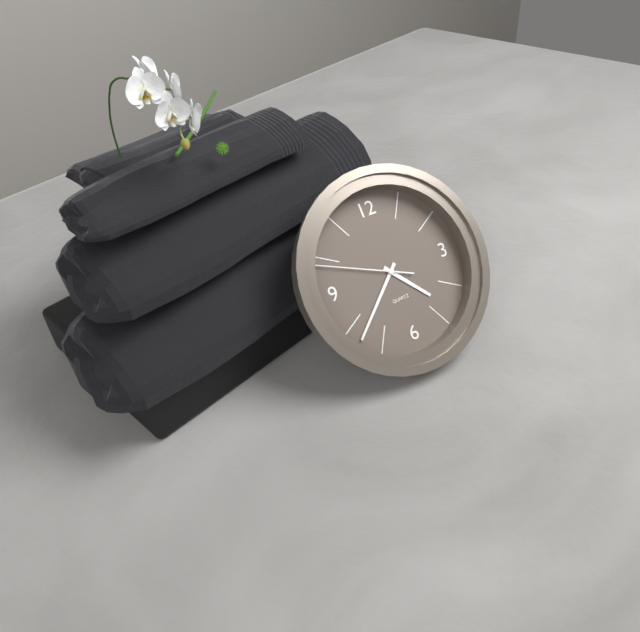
4:38:49
